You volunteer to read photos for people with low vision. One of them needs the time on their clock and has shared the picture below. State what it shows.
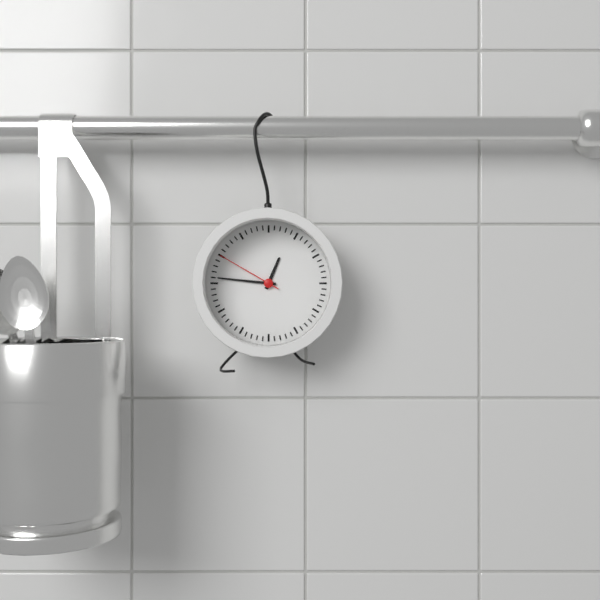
12:46:50
